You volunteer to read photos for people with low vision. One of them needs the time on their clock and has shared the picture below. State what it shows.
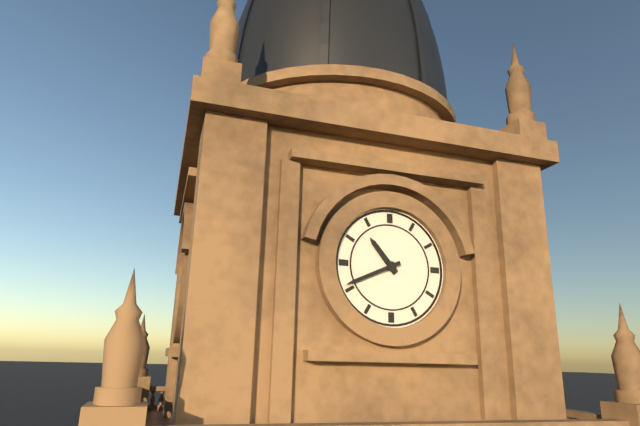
10:41
